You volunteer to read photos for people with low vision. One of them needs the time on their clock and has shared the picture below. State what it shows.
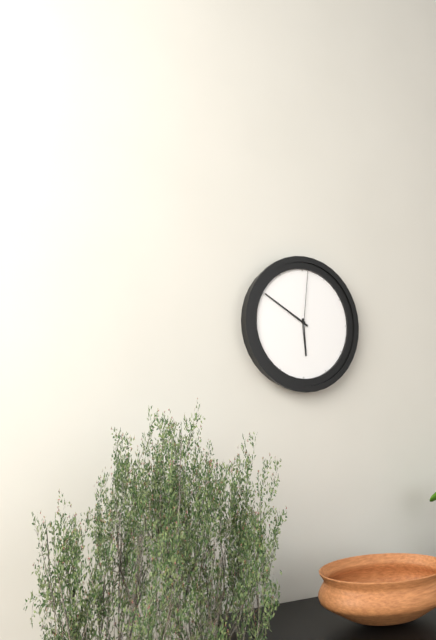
5:50:01
